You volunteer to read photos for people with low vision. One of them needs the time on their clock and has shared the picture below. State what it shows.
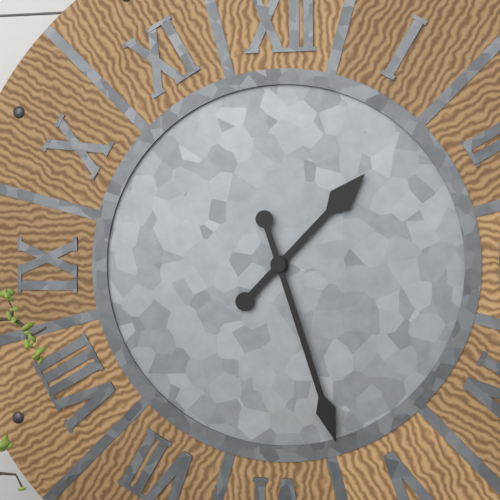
1:27
